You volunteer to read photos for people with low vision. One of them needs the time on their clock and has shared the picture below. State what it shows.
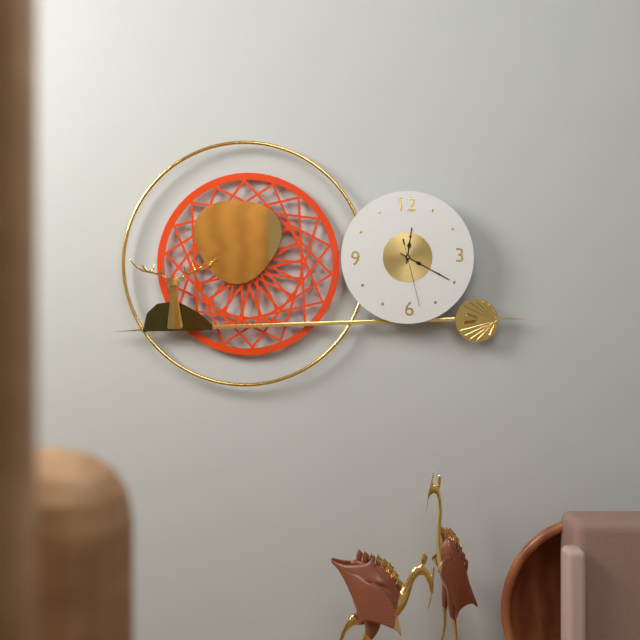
12:20:28
